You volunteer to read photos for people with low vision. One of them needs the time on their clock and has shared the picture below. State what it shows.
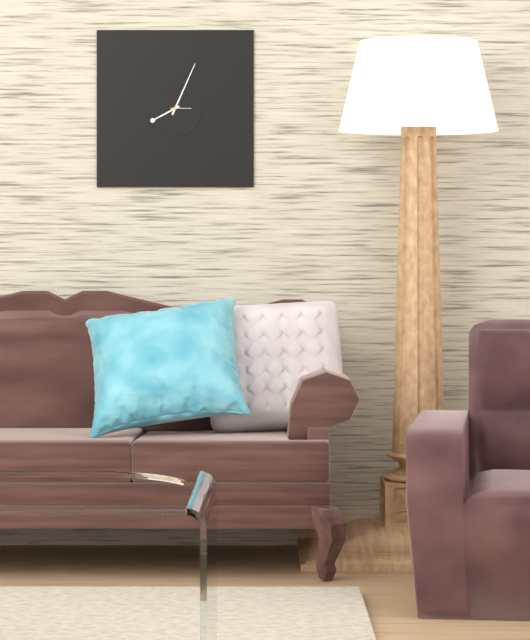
8:04
